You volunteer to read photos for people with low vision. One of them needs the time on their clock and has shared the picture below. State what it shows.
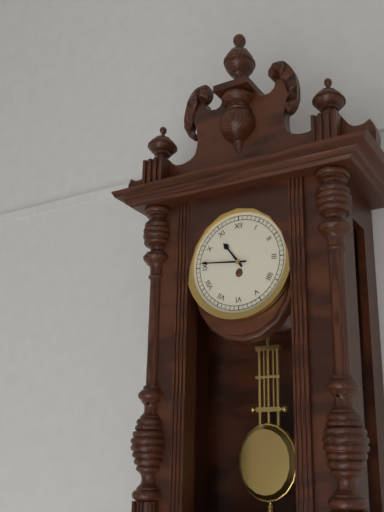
10:46
